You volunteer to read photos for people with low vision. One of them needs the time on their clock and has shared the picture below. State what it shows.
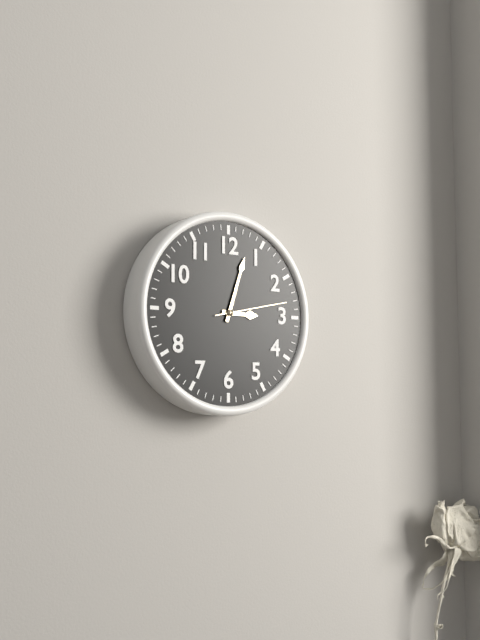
3:03:13
